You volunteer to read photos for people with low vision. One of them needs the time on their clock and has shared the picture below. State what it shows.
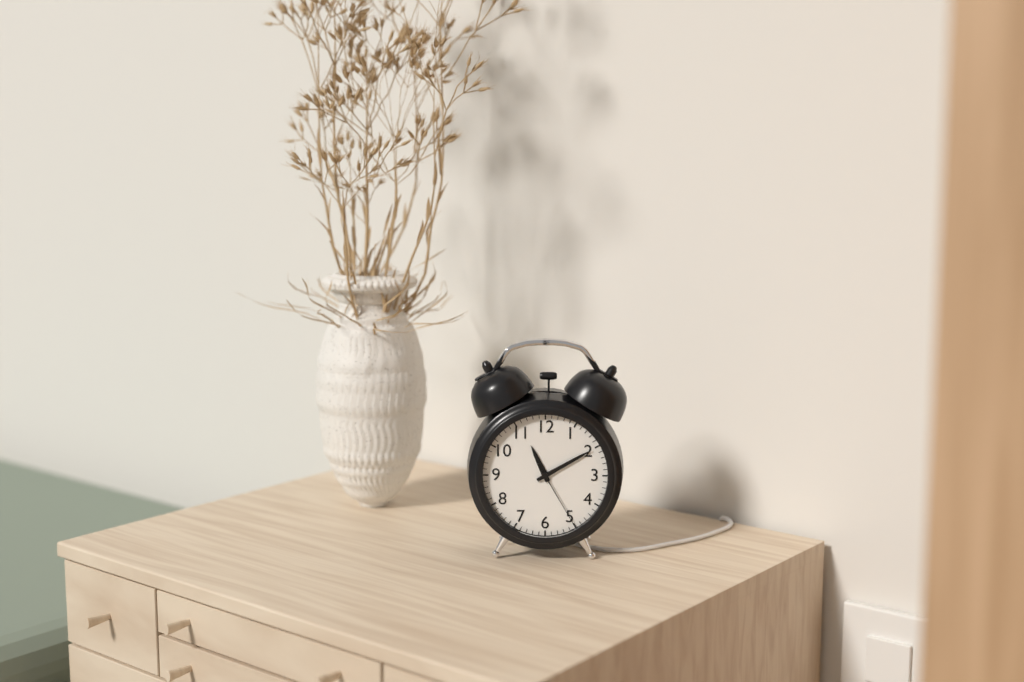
11:10:25
